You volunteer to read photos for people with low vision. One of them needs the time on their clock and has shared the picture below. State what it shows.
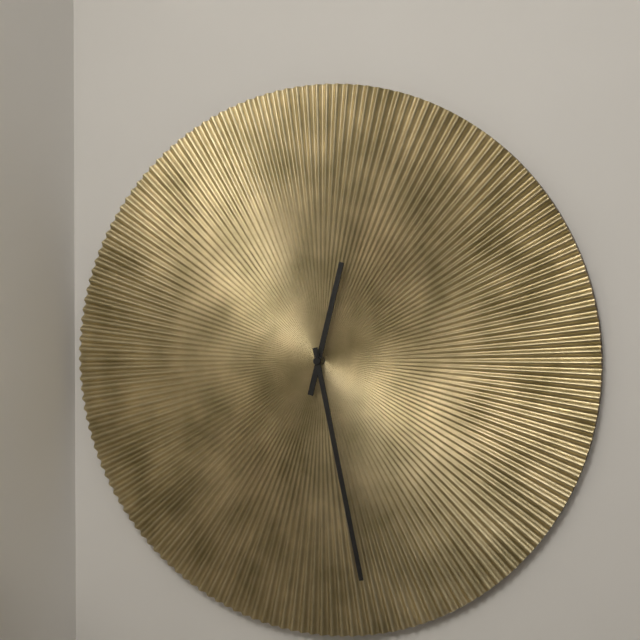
12:28
